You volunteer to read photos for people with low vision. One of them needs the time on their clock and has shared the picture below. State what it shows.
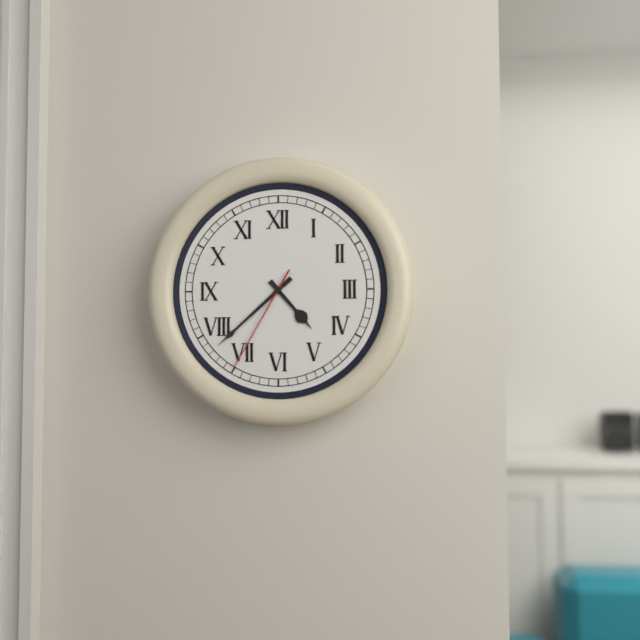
4:38:35
